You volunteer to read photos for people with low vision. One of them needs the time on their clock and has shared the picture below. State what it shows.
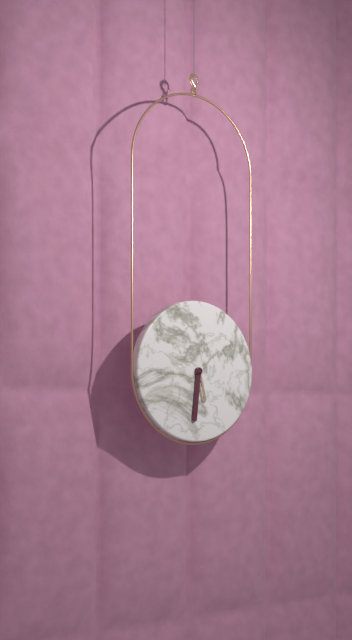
5:31
